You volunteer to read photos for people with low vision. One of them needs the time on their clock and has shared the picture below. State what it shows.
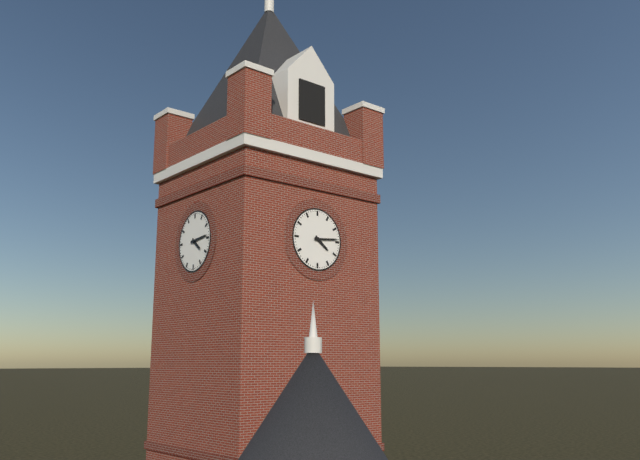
4:14
